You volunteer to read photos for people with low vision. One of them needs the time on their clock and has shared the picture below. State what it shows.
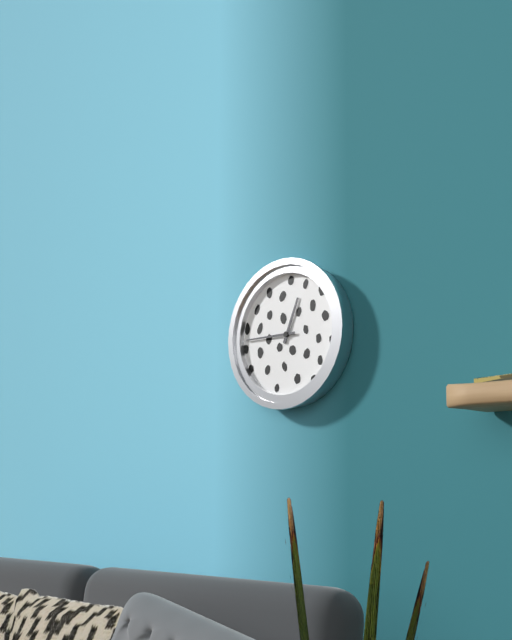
12:45
